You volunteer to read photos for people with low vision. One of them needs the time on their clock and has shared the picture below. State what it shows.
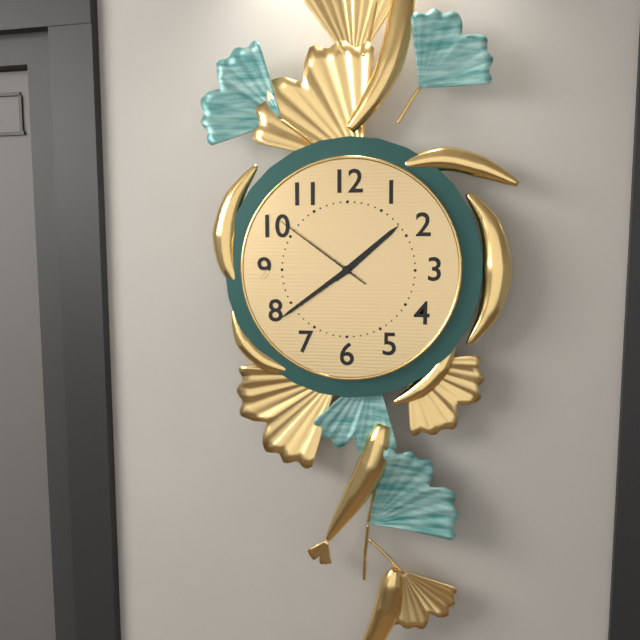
1:39:51
